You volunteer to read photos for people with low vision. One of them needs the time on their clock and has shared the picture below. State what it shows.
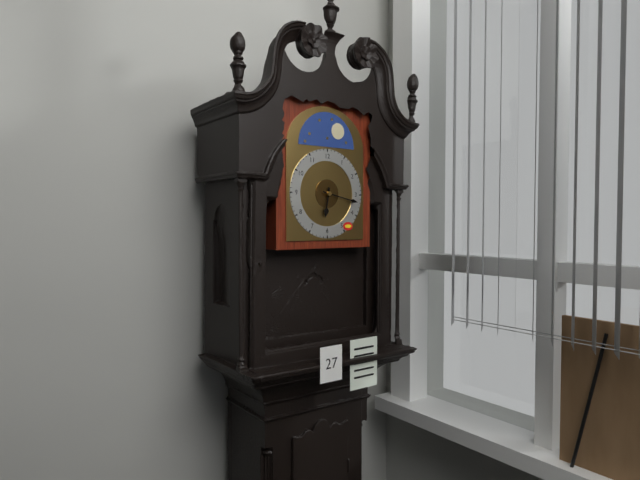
6:17
